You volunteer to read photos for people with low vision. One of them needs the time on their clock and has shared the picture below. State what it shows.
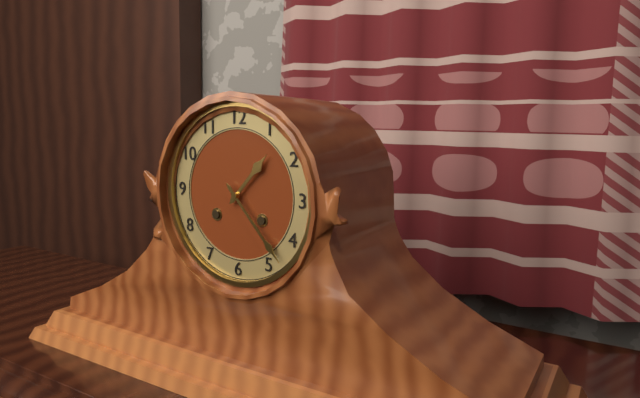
1:23
